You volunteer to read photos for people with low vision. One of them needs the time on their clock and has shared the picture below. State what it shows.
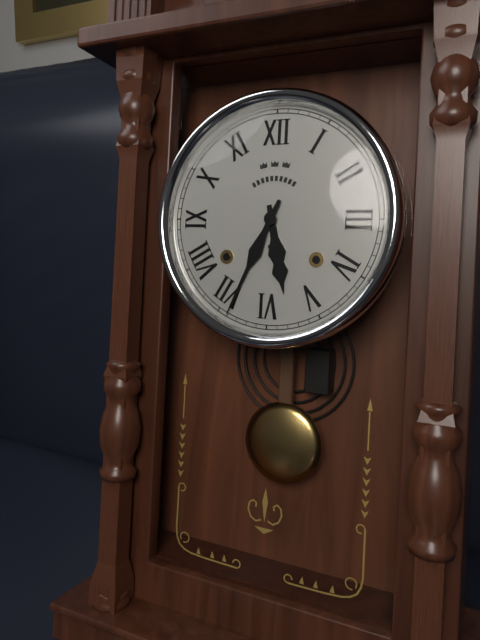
5:34
